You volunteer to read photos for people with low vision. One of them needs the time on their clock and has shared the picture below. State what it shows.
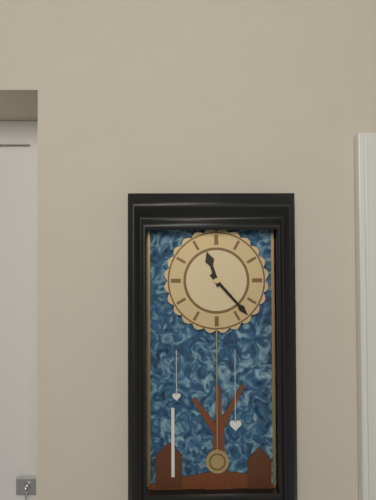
11:23
